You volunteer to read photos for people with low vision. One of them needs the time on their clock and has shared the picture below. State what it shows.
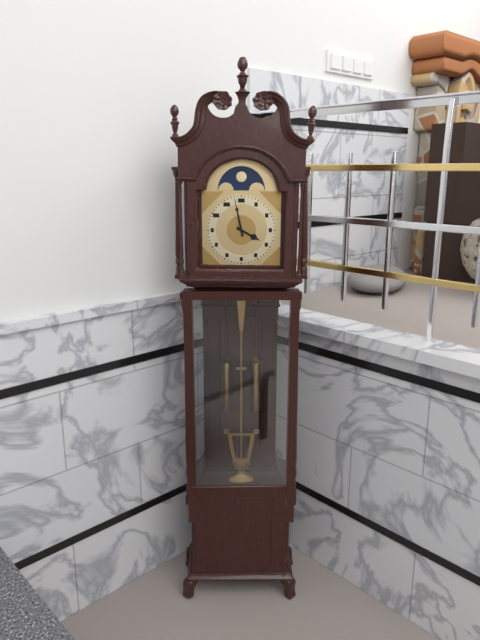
3:58
